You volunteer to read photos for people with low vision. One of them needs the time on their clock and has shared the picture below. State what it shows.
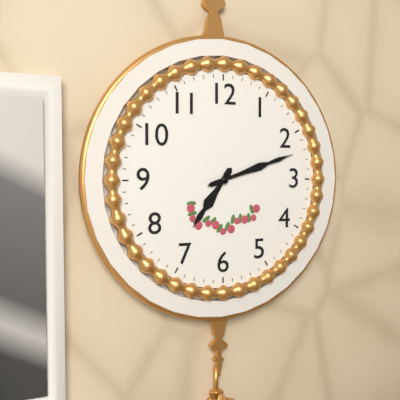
7:12
